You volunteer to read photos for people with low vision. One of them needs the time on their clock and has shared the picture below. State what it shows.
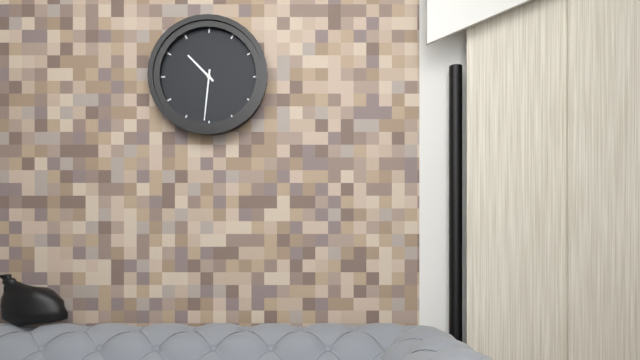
10:31
